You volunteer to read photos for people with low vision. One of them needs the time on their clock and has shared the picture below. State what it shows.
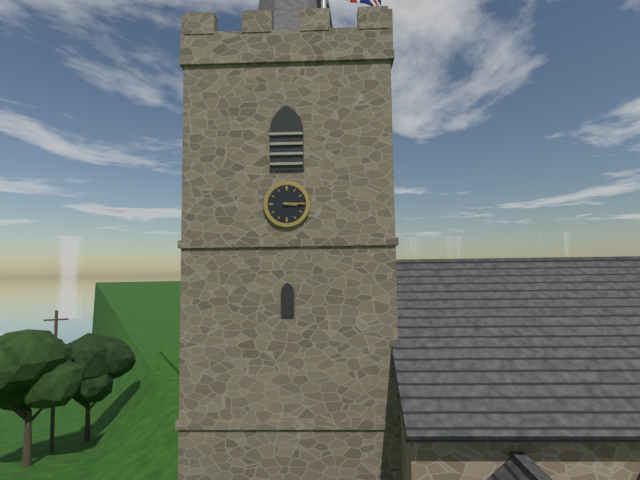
3:15
